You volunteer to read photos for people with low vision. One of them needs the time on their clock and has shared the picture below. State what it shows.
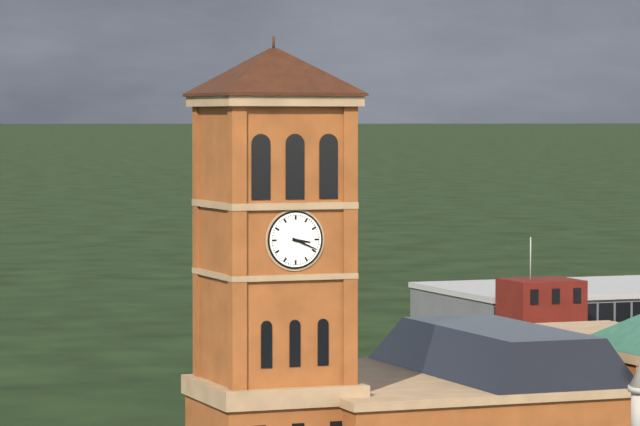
3:19
